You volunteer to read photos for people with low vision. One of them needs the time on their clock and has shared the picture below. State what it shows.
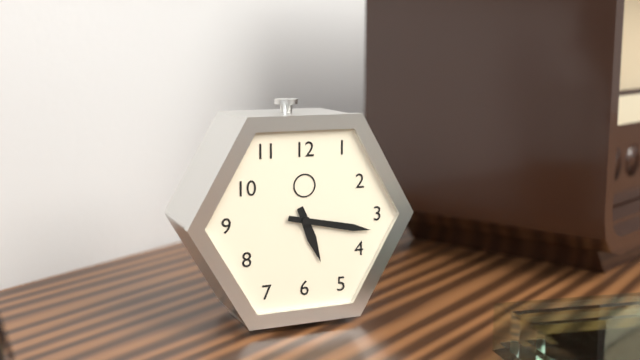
5:17
